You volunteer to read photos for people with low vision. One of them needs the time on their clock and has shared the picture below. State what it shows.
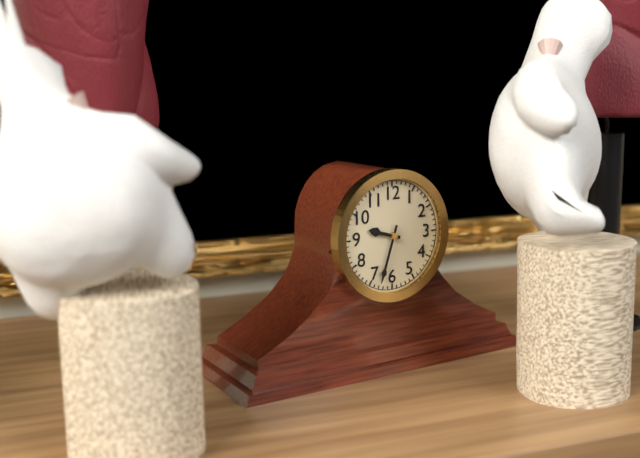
9:33
